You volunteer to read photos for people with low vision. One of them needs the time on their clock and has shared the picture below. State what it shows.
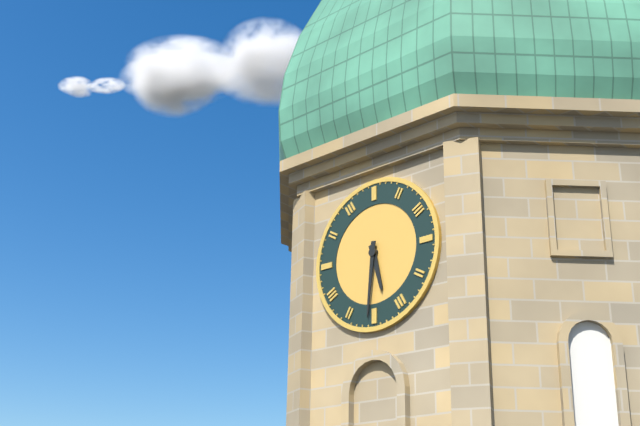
5:31
